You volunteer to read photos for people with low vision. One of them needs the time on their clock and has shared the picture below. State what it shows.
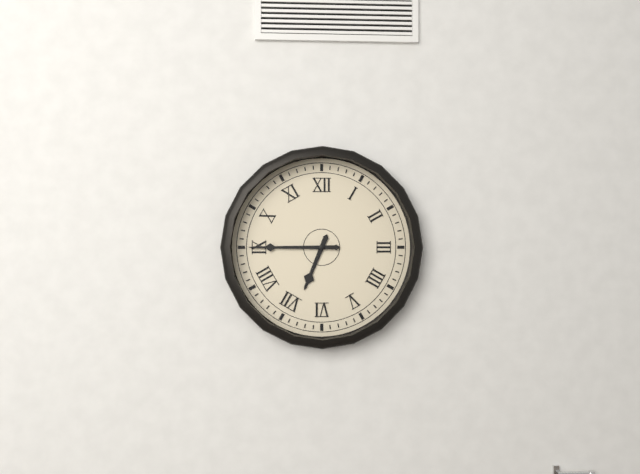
6:45
